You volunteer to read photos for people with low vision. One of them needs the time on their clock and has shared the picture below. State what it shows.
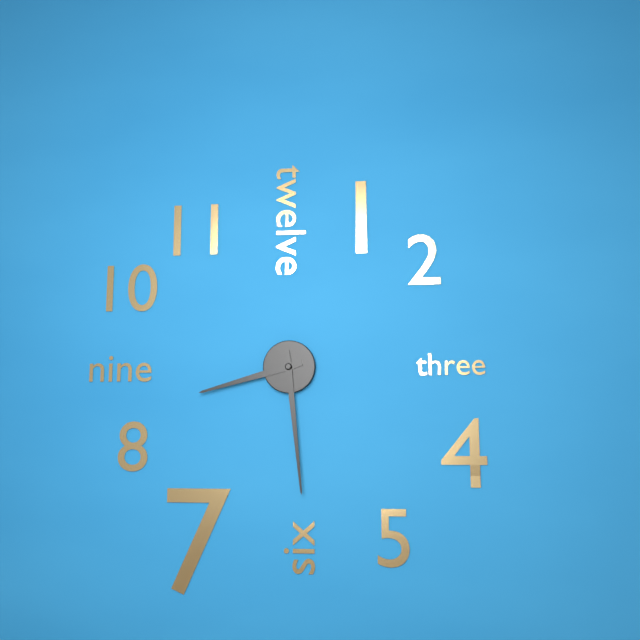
8:29
